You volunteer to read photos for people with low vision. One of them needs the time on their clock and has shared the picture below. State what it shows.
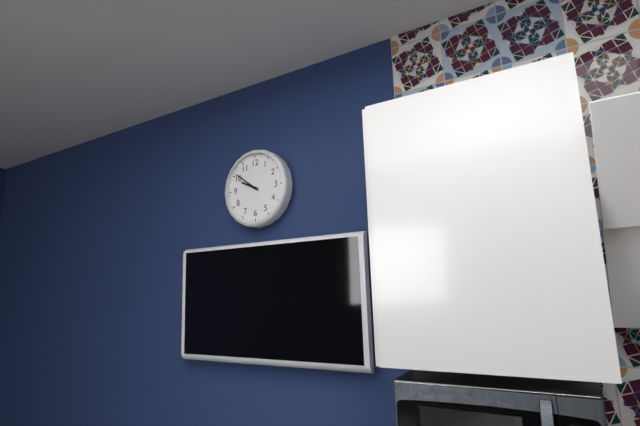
9:51
